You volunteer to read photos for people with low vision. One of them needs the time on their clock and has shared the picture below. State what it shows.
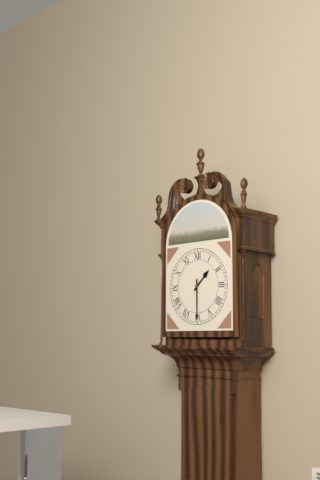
1:30
